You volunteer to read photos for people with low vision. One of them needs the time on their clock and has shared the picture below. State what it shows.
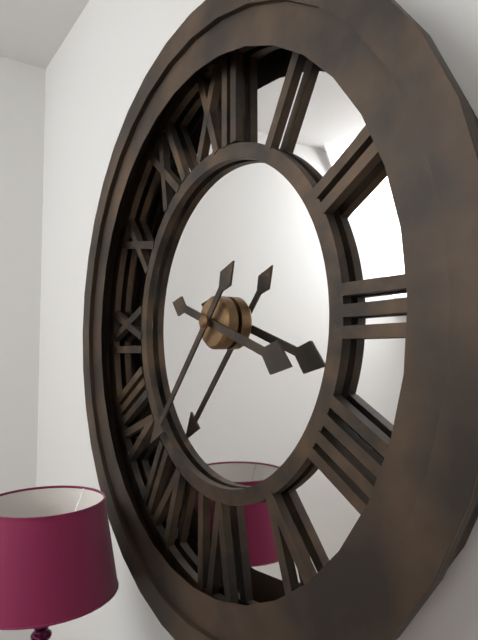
3:37
